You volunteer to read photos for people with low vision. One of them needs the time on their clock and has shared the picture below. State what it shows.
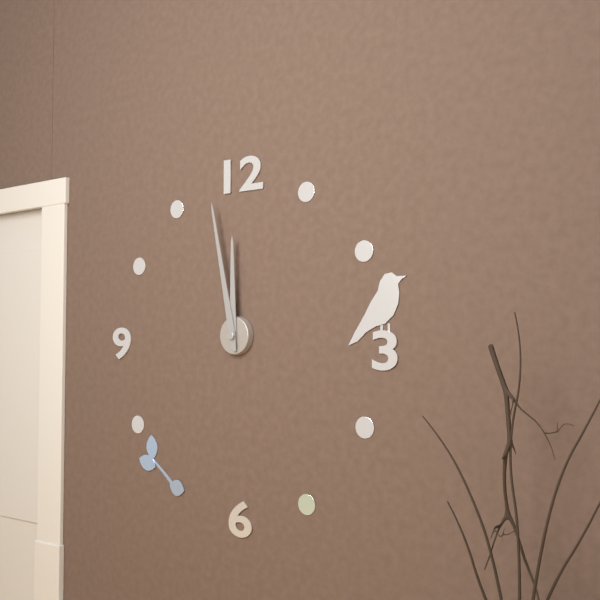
11:58
